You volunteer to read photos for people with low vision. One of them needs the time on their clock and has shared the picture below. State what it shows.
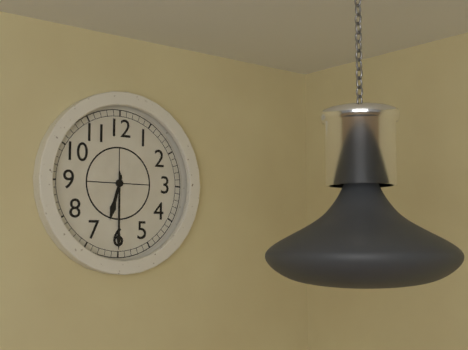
6:30
